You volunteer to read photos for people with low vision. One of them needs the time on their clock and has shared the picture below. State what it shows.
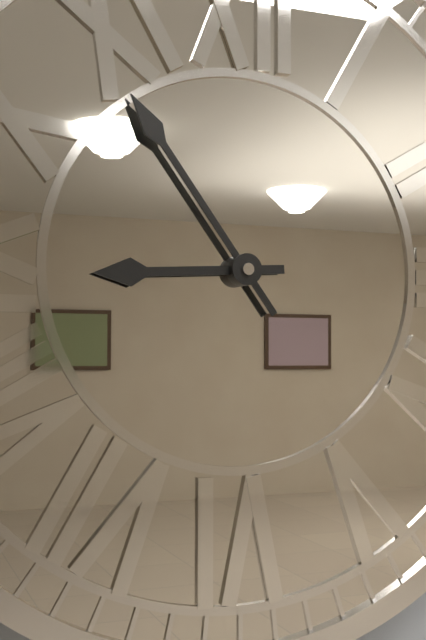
8:54
